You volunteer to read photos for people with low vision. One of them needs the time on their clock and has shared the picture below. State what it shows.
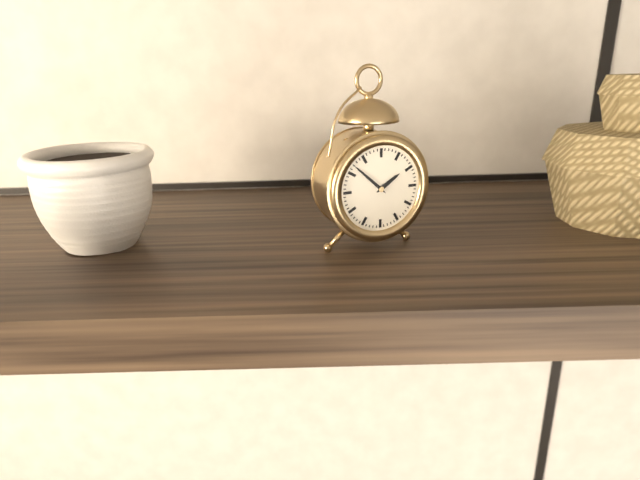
1:52
